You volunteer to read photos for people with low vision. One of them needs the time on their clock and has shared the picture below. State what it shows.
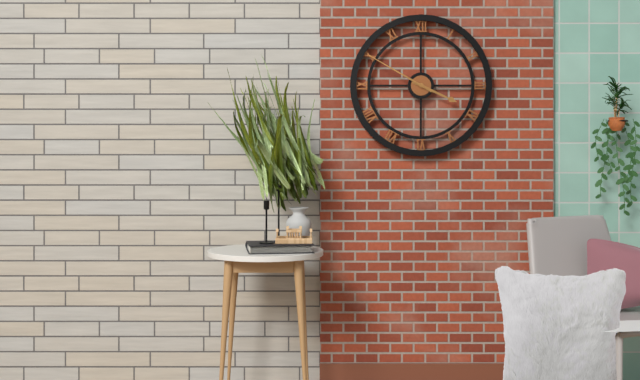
3:50
